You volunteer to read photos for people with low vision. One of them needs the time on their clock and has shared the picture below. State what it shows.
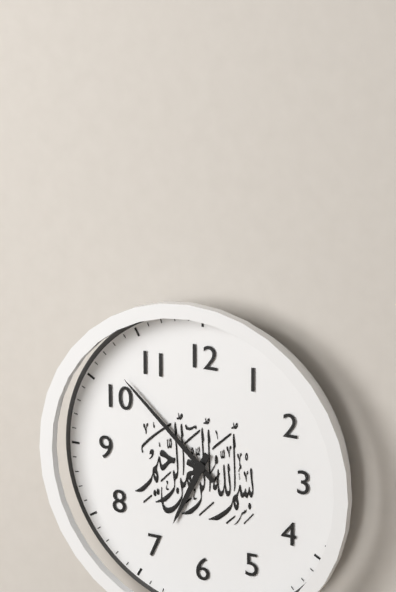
6:52
